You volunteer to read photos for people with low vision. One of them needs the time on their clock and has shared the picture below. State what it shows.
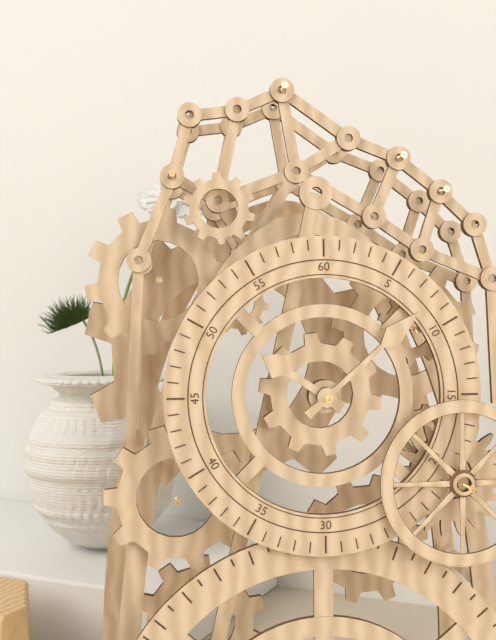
10:08
